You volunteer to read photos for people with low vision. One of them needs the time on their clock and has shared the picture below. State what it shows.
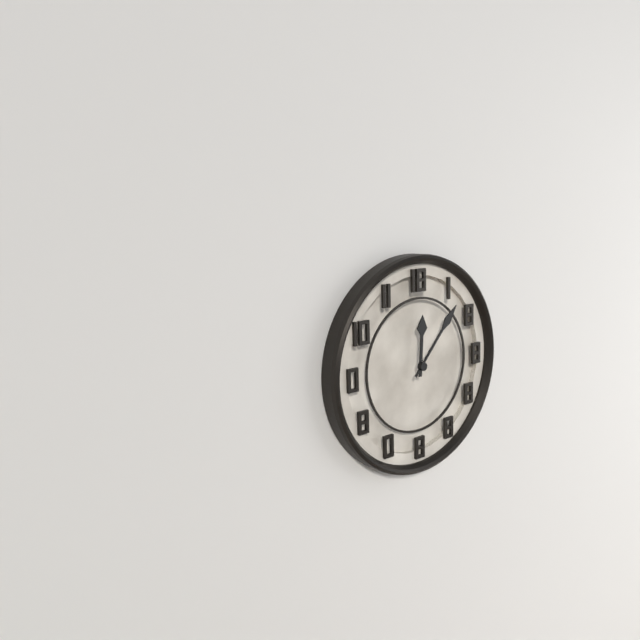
12:07
